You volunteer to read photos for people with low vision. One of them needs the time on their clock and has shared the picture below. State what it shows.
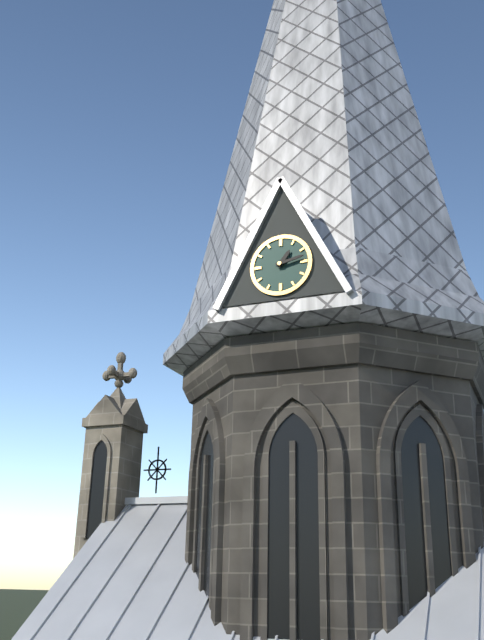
1:13
